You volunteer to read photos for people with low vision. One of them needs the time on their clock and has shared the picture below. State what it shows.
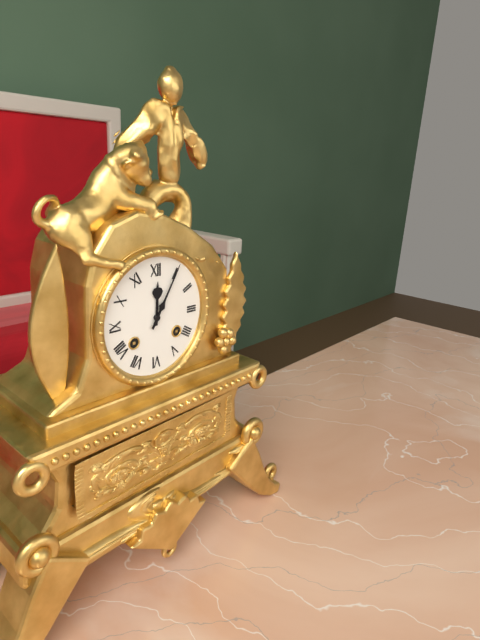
12:05
